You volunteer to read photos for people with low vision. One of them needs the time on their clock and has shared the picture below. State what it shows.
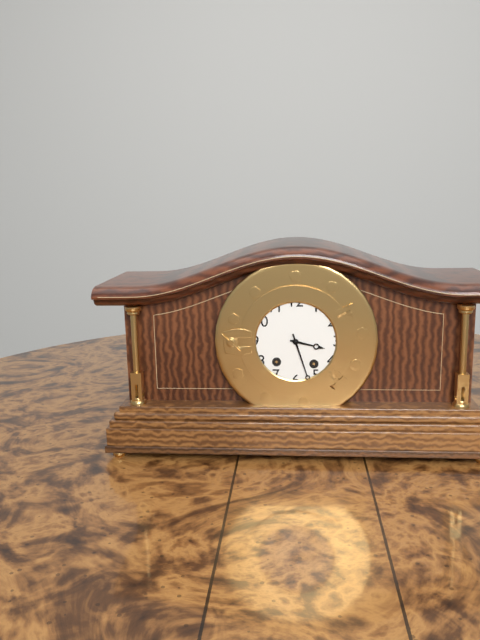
3:27
